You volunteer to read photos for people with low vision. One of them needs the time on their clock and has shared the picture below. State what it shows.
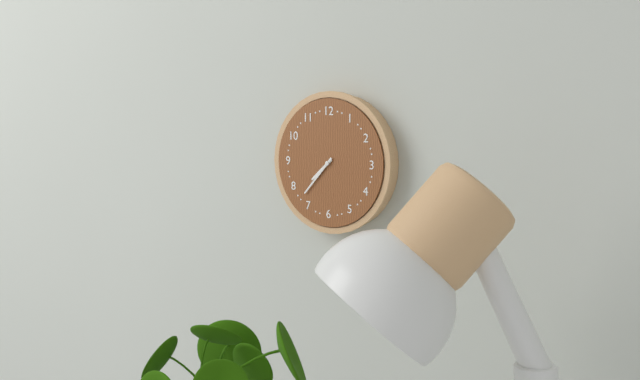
7:37
